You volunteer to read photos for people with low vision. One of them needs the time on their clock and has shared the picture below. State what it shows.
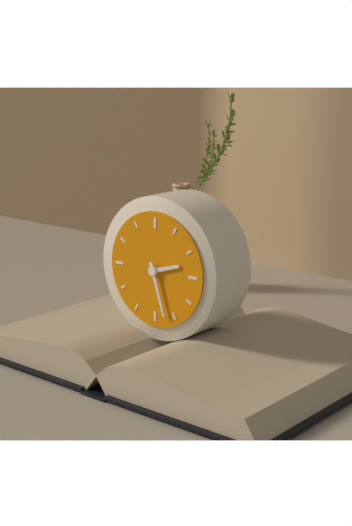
2:27
